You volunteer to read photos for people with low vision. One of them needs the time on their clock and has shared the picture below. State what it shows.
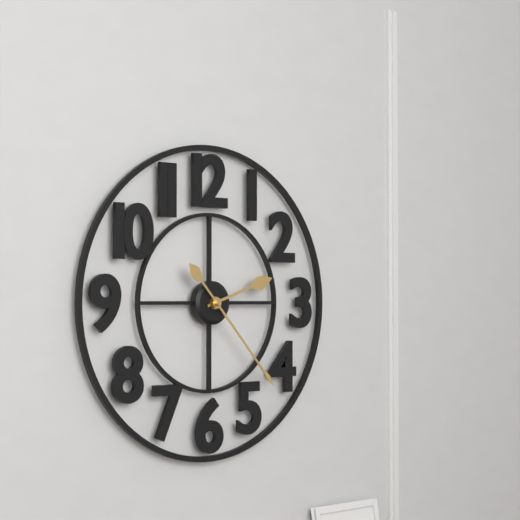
2:23
